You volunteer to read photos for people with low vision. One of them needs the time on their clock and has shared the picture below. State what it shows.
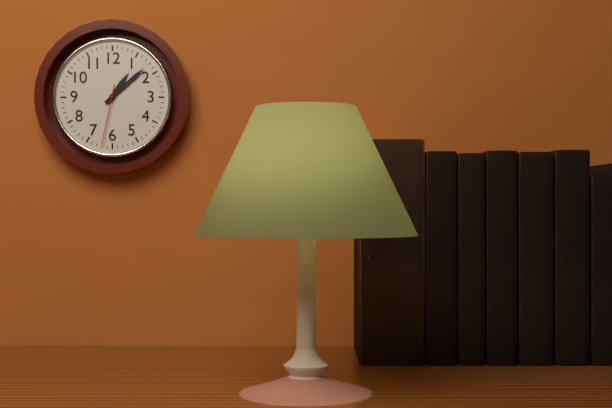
1:08:32
